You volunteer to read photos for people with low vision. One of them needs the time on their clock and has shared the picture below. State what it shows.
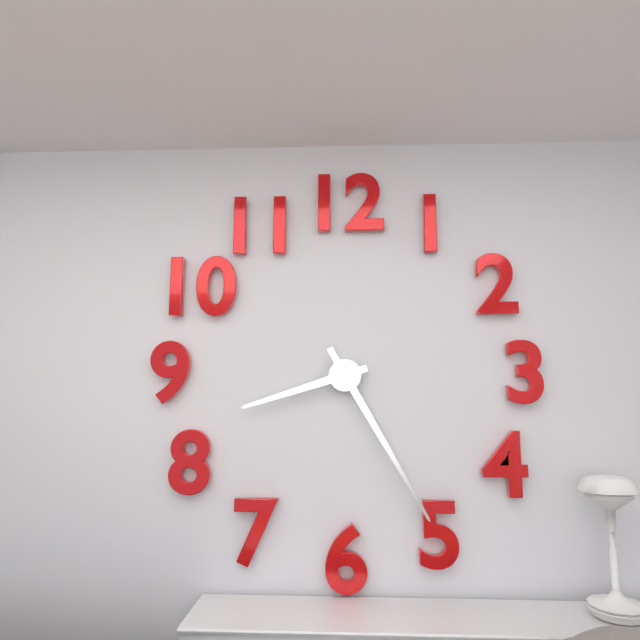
8:25
